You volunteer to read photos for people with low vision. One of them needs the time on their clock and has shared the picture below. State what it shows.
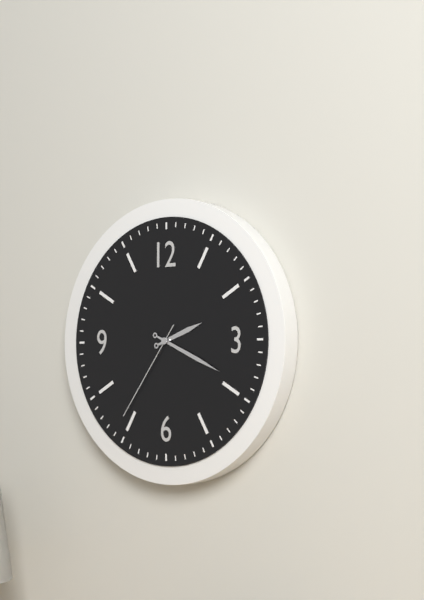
2:19:36
